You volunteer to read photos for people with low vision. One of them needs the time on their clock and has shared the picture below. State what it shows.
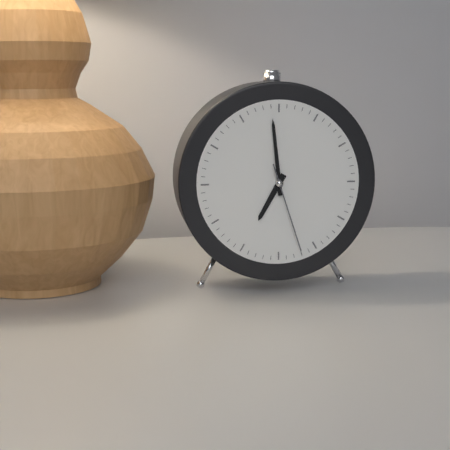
6:59:27
